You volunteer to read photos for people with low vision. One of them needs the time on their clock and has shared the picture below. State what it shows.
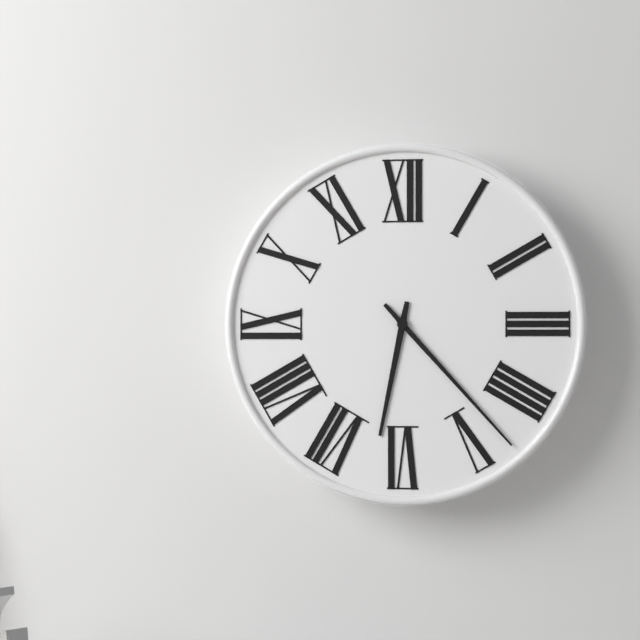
6:23
